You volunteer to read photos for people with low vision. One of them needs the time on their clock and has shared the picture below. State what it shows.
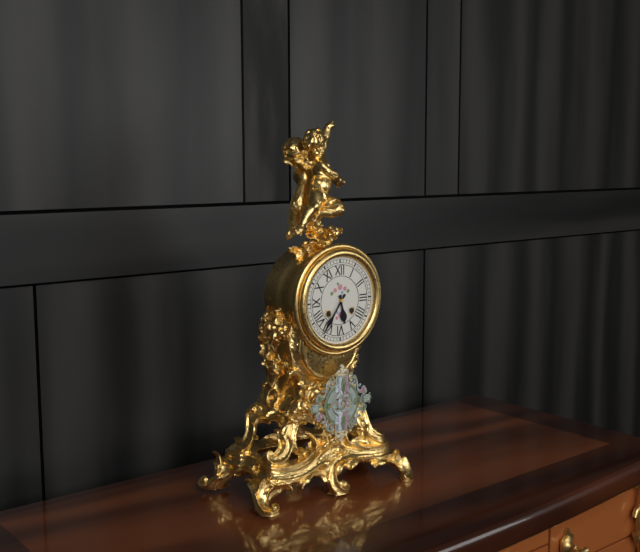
5:36
